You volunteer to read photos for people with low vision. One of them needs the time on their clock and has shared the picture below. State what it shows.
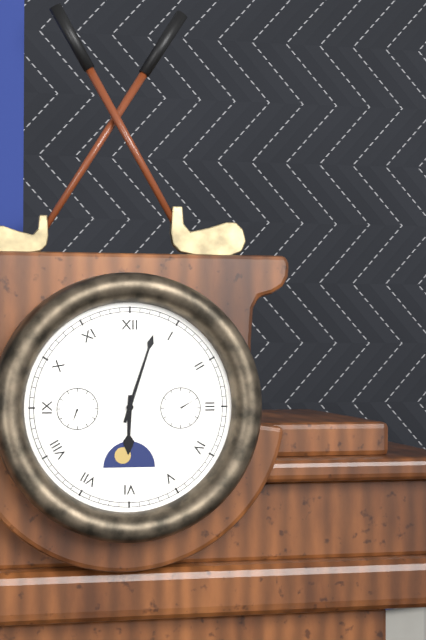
6:03
